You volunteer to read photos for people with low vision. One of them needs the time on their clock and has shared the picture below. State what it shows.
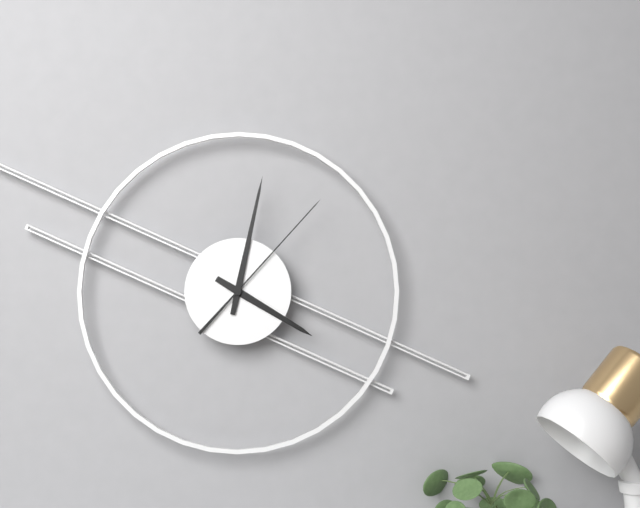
4:02:07
